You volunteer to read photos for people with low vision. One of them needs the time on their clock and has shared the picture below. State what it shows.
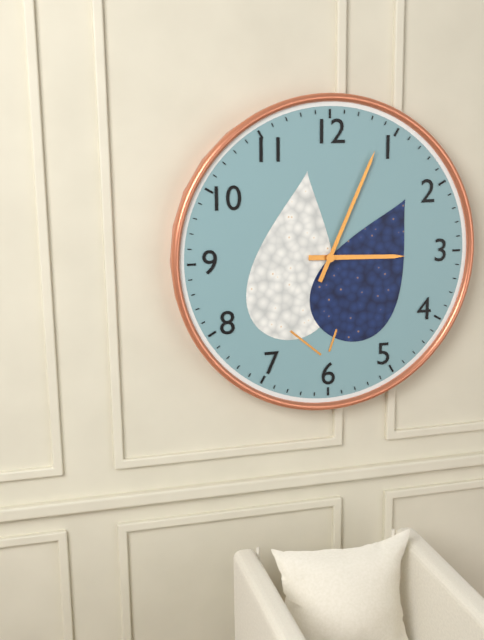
3:04
